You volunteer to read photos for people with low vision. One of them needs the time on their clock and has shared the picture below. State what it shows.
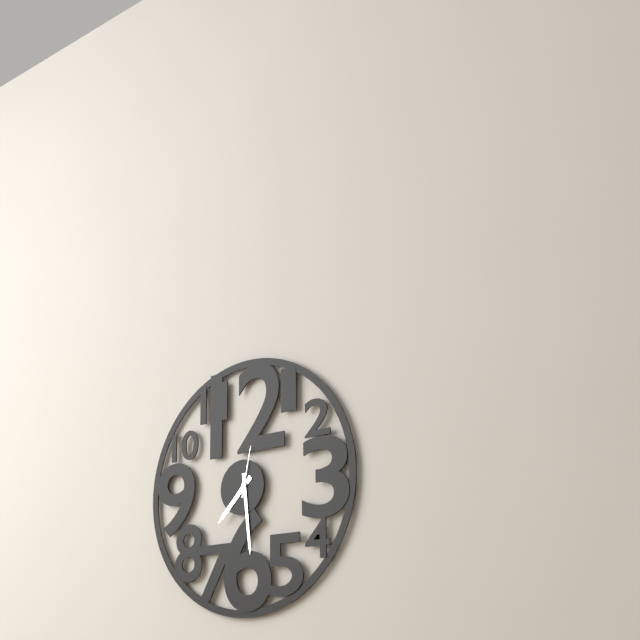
7:29
